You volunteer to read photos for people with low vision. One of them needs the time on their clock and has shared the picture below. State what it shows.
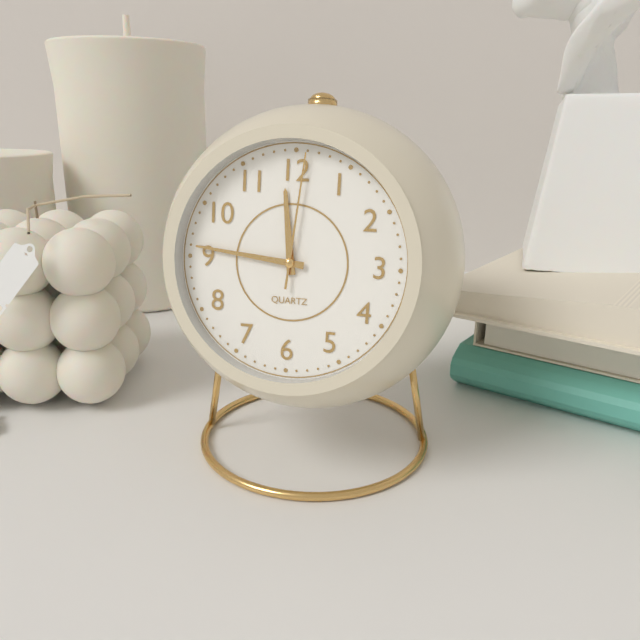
11:46:01
